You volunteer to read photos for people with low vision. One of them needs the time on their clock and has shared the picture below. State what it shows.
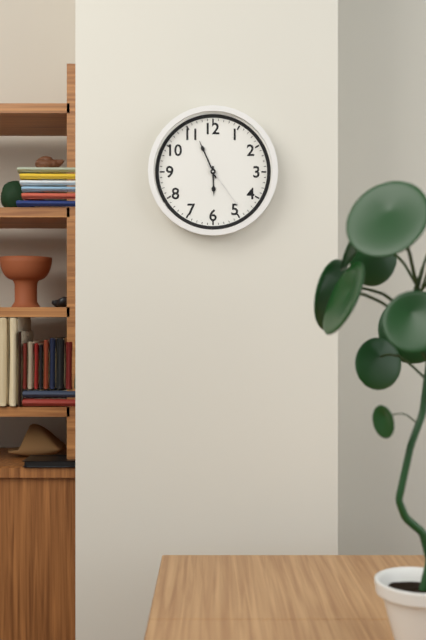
5:56:24
